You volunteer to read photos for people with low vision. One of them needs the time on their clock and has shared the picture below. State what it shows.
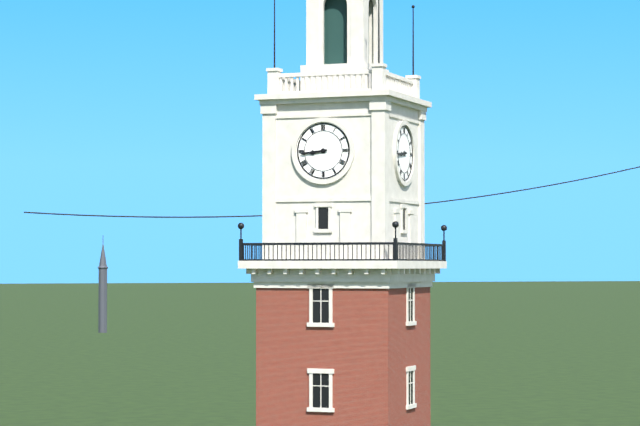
8:44
